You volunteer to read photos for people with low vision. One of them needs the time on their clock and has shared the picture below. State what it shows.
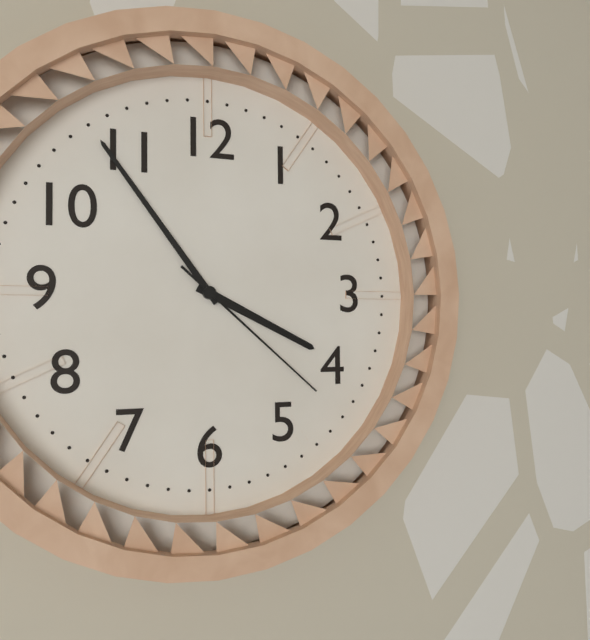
3:54:22
